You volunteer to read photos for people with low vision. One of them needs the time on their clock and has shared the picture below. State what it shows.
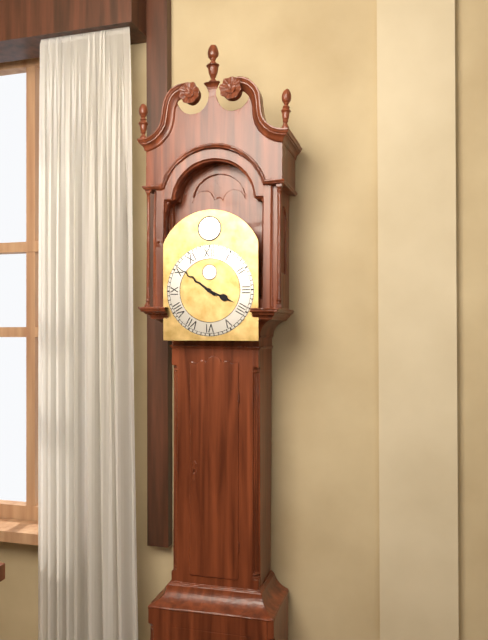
3:51
